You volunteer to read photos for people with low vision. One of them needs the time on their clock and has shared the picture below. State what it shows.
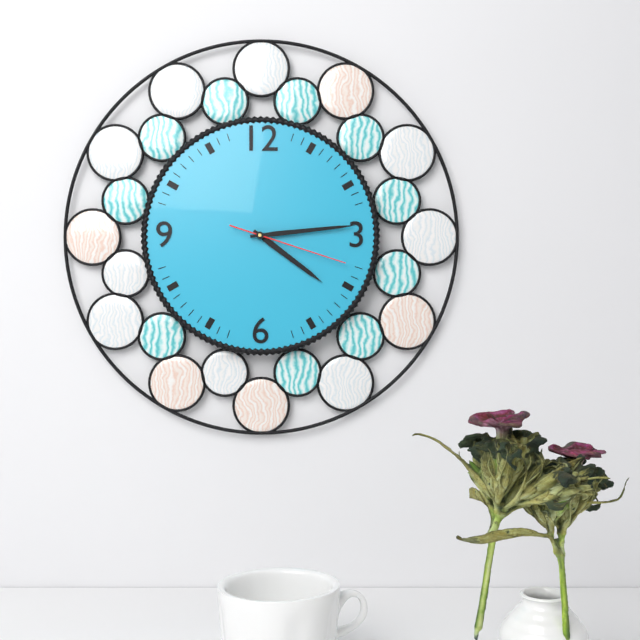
4:14:18
